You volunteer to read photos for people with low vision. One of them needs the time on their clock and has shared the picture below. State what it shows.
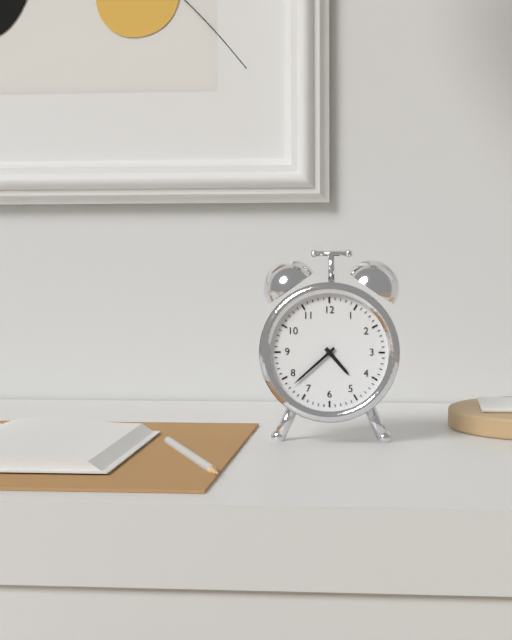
4:38
